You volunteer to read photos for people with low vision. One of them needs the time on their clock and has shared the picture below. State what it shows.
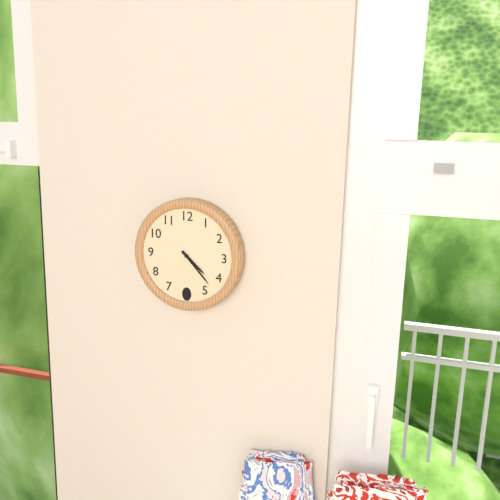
4:23
